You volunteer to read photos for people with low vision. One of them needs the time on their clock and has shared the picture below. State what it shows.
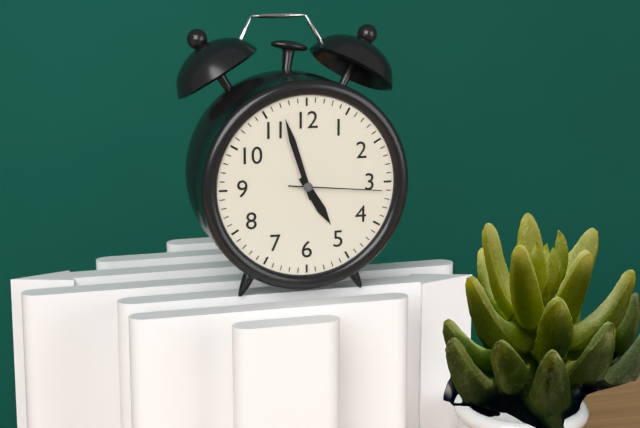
4:57:16
